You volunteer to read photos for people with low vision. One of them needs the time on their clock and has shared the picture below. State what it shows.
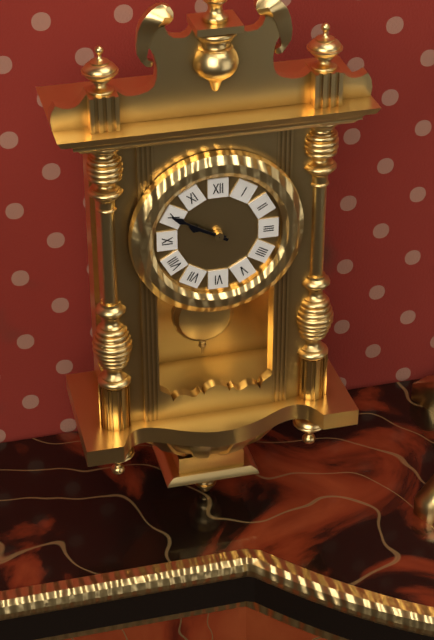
9:50
